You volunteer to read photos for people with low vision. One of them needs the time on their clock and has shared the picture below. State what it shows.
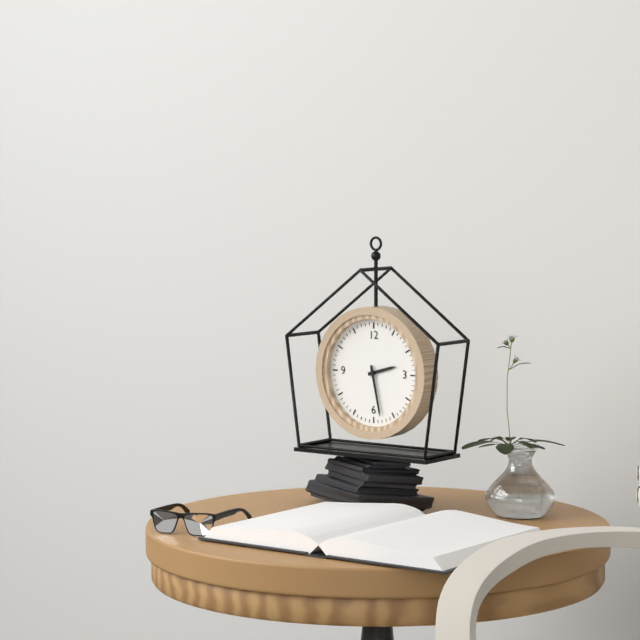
2:28
